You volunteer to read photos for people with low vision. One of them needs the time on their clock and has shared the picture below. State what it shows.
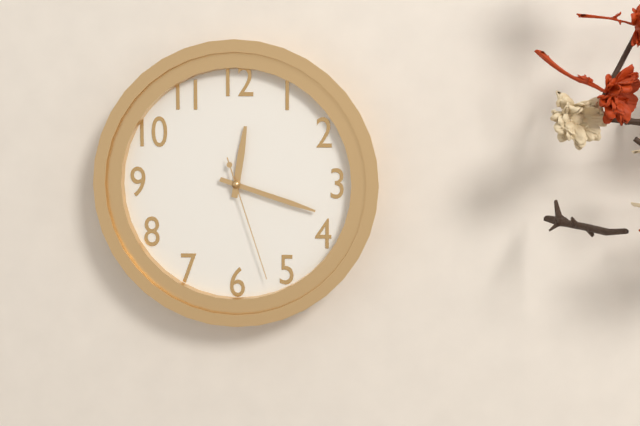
12:18:27
